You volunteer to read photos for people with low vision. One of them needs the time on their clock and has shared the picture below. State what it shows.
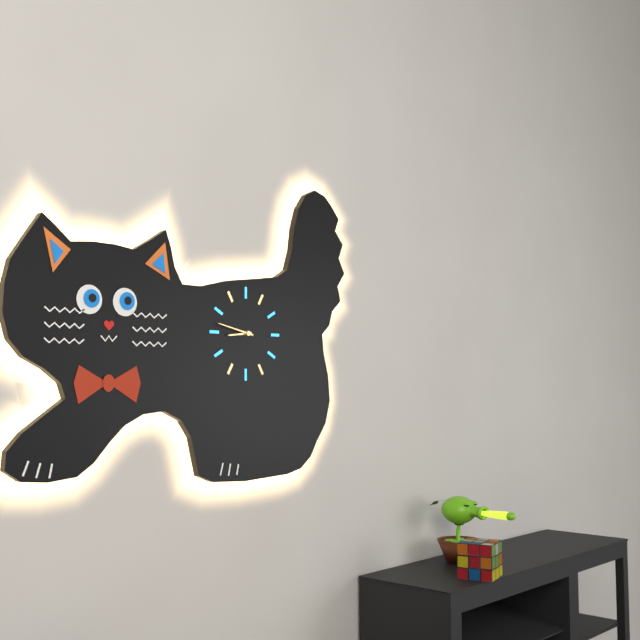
8:47
